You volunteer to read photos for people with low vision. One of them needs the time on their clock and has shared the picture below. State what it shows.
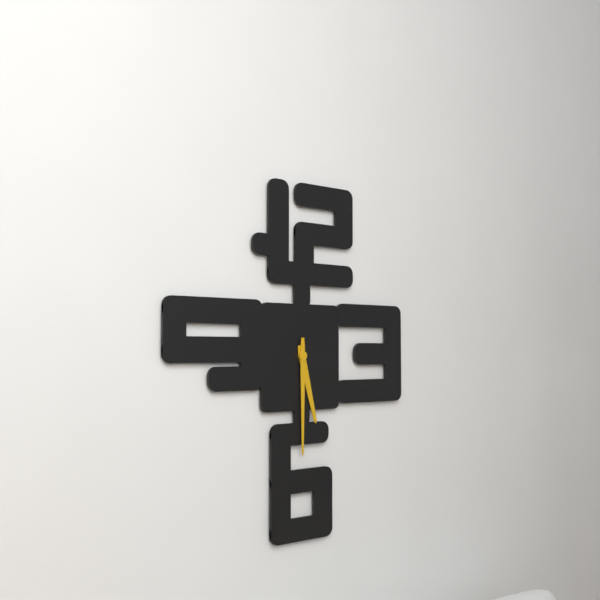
5:30
